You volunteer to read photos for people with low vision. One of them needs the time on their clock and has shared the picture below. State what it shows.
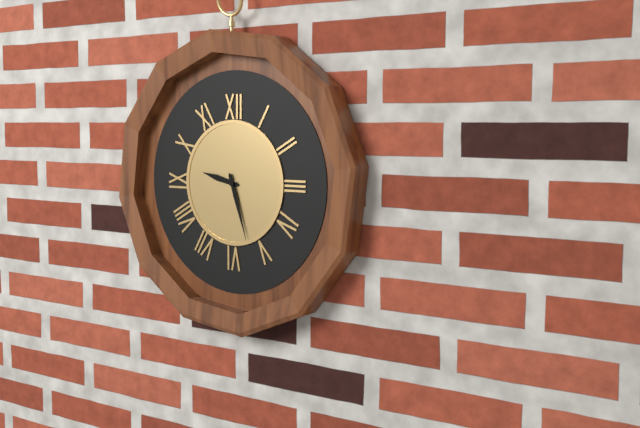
9:27
